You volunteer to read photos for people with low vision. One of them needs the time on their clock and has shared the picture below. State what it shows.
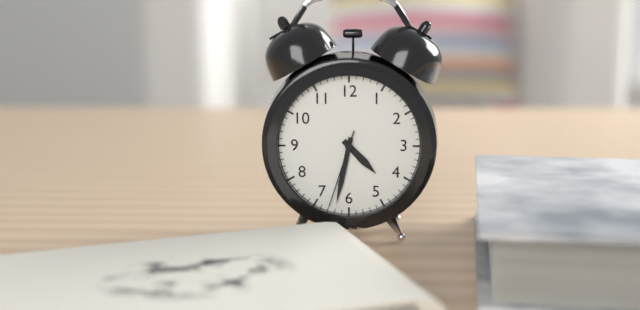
4:32:33
